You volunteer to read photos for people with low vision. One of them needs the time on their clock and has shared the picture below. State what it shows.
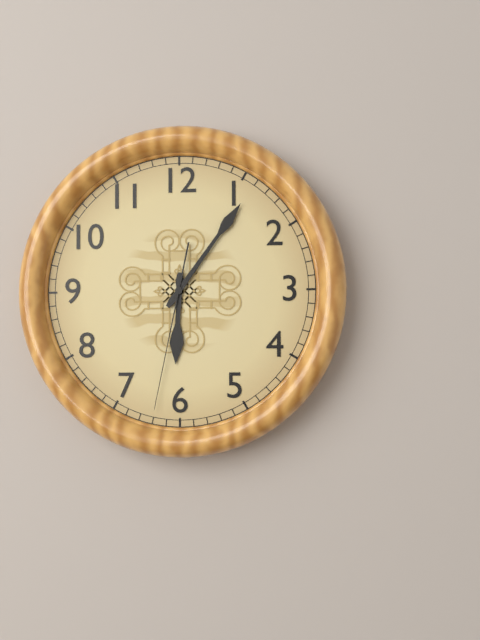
6:06:32
